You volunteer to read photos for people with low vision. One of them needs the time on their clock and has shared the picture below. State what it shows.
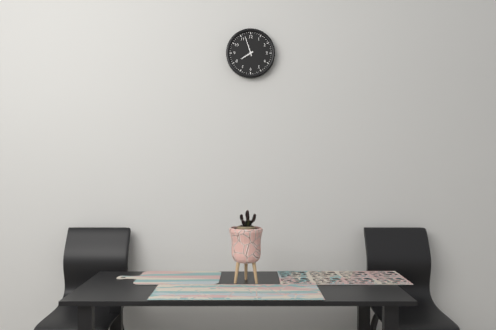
7:57
